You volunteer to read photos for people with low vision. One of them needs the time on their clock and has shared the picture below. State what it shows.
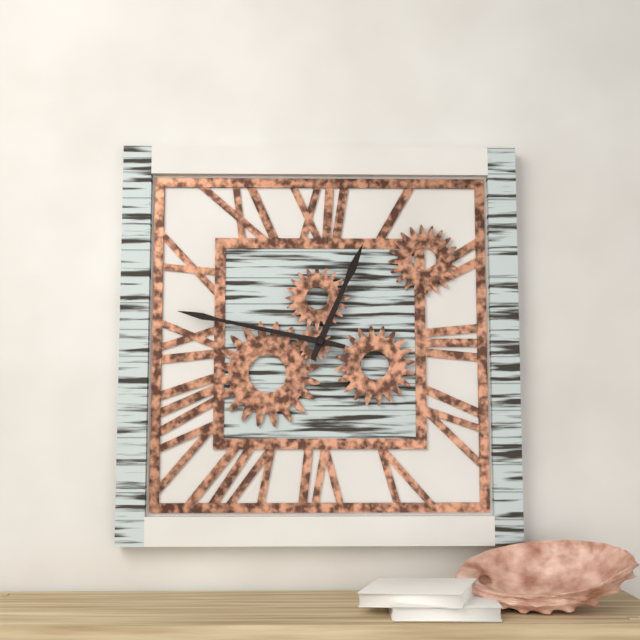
12:47
